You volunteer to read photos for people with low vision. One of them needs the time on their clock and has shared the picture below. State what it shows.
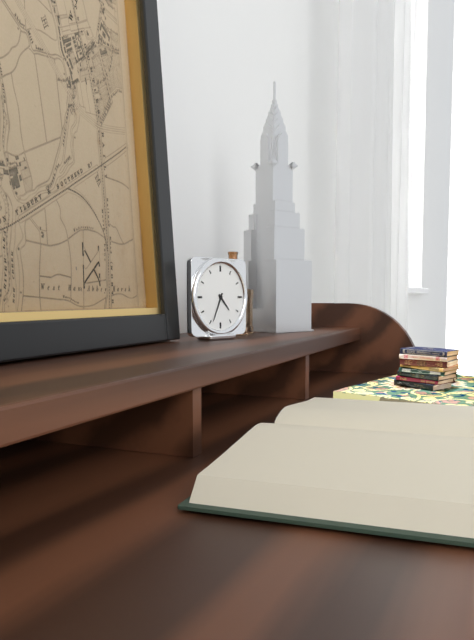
4:34
